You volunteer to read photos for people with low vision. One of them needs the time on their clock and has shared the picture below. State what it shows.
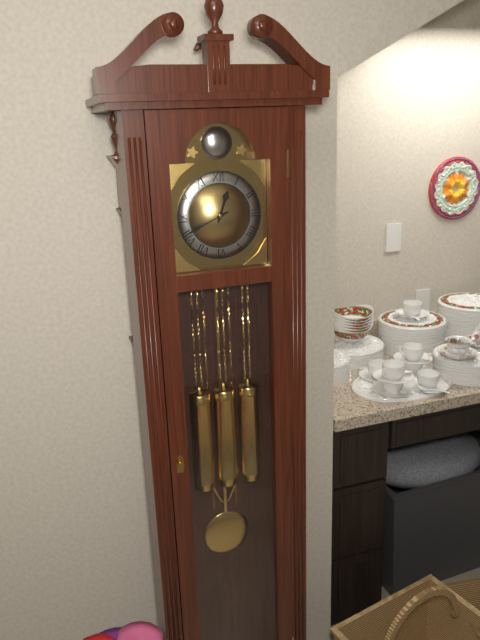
12:41
